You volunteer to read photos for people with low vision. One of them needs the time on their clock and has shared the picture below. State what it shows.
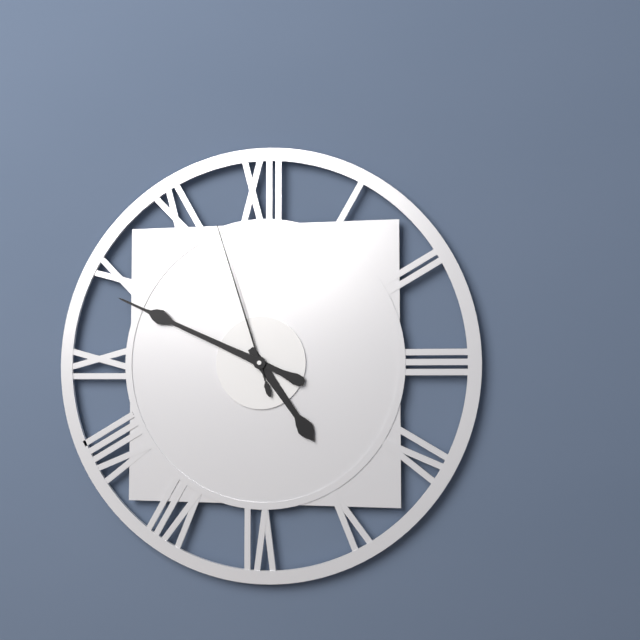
4:49:57
